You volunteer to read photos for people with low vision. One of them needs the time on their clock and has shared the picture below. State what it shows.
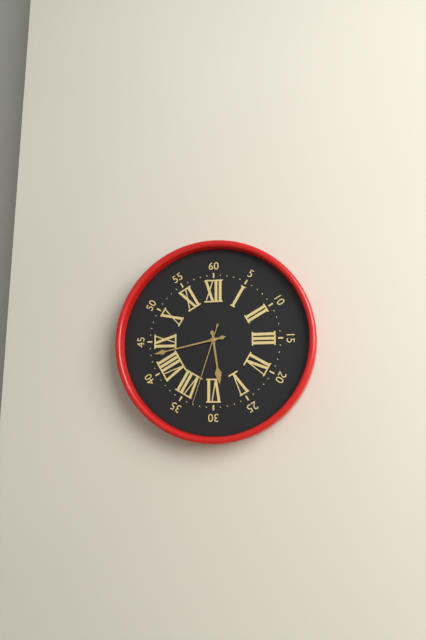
5:43:33
